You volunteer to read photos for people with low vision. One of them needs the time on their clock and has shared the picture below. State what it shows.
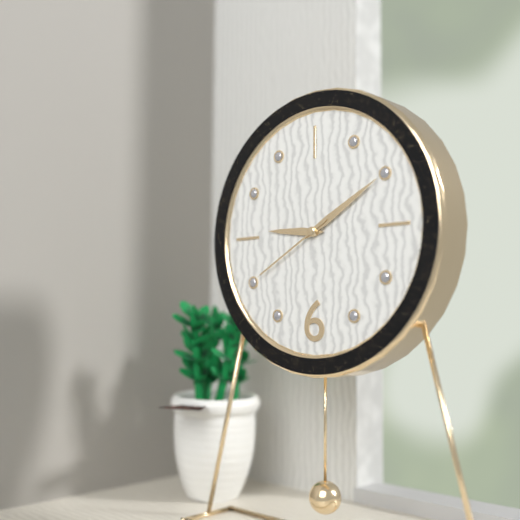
9:10:40
